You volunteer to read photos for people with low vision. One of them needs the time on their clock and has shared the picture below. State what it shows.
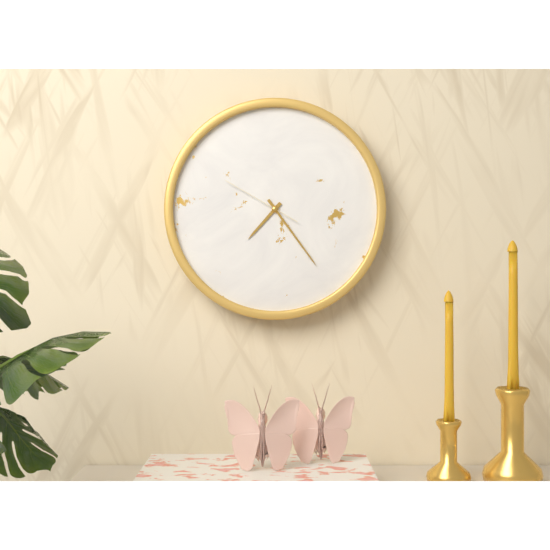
7:24:50
